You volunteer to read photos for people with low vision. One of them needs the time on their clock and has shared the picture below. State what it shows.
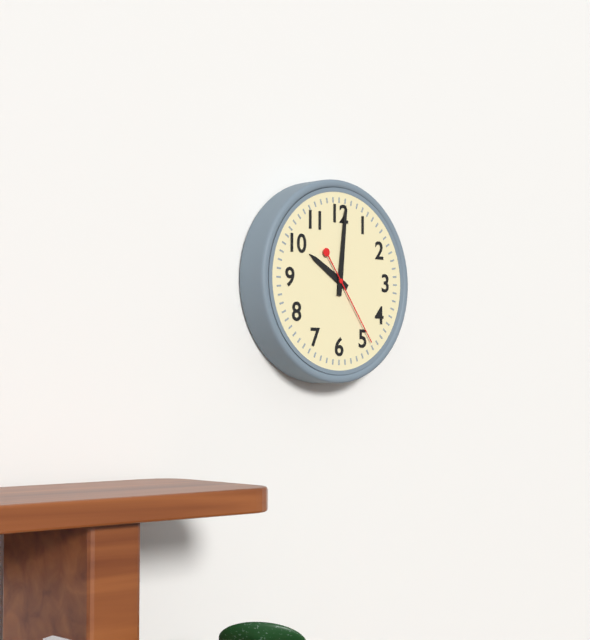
10:01:24
